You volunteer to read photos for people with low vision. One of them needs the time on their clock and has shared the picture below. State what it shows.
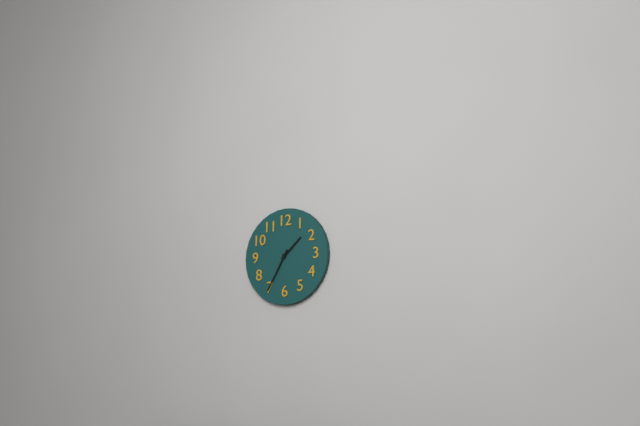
1:35
